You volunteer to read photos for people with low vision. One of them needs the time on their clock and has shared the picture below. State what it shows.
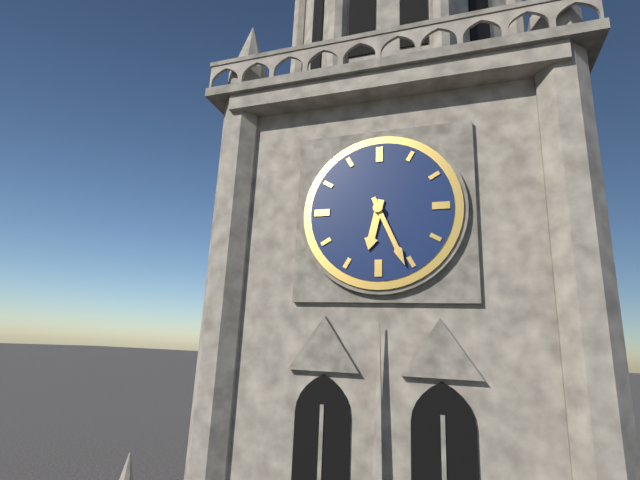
6:26
